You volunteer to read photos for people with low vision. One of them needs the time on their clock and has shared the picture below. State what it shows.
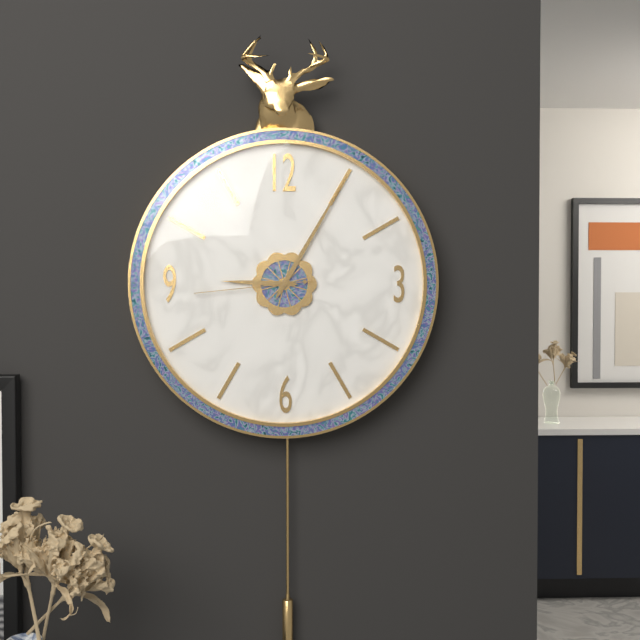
9:05:44
